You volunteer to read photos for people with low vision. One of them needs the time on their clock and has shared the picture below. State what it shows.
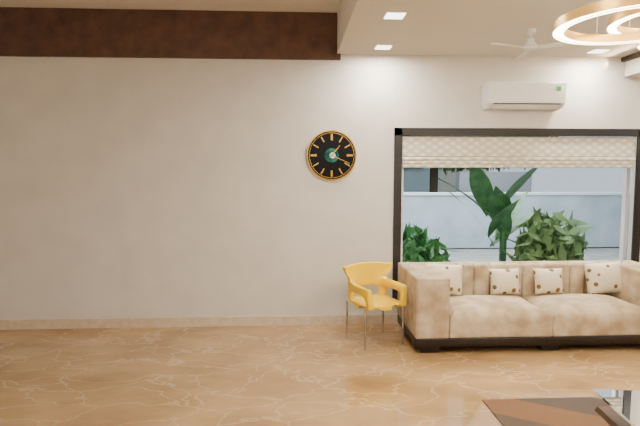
1:19
